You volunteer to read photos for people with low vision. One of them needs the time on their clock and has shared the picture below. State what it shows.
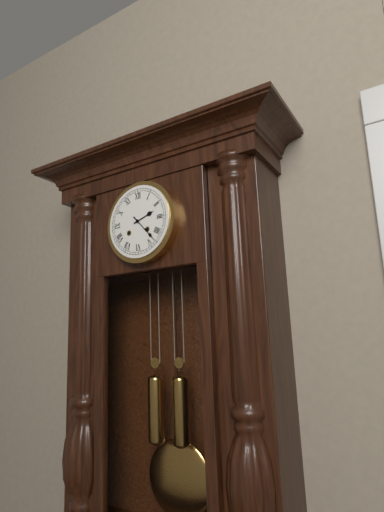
2:23
